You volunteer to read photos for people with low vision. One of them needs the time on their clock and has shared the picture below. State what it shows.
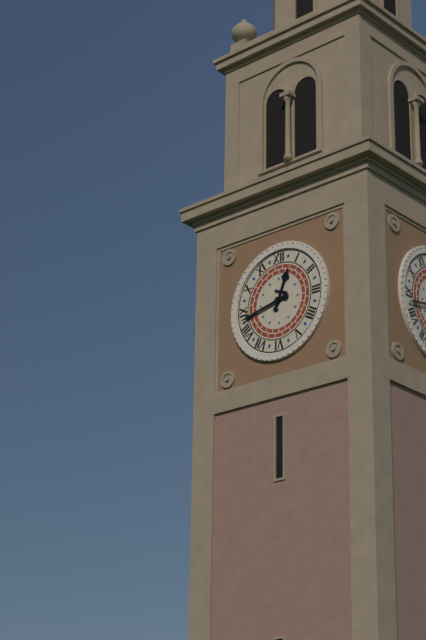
12:43
